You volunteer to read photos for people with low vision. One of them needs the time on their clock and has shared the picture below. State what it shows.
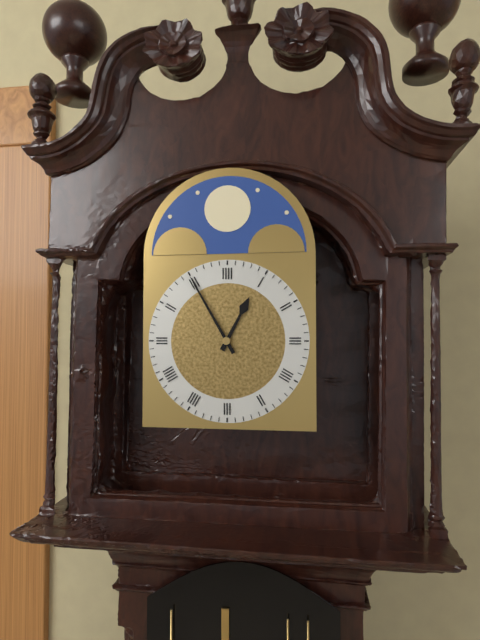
12:55
